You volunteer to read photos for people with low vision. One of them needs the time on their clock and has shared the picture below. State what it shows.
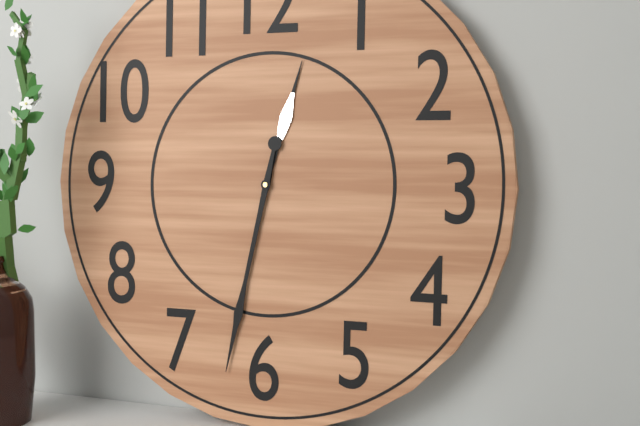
12:32
